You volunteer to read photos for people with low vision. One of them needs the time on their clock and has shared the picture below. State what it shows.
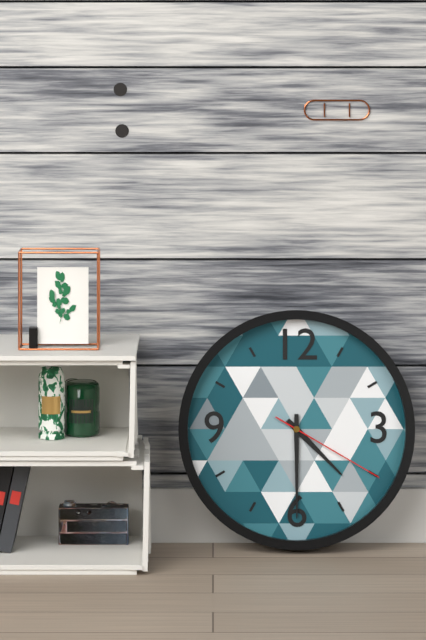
4:30:20
